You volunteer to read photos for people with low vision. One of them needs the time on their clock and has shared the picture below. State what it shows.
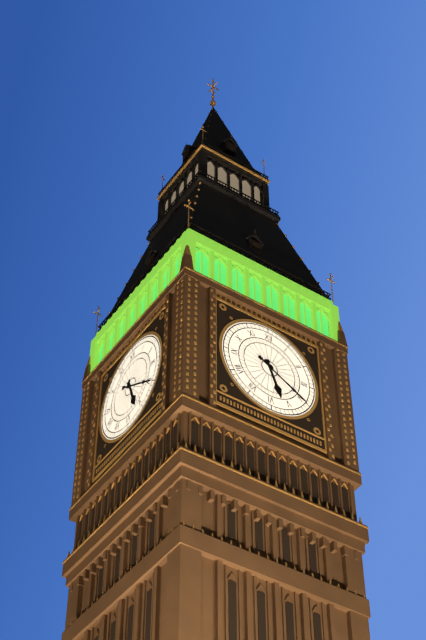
5:20
